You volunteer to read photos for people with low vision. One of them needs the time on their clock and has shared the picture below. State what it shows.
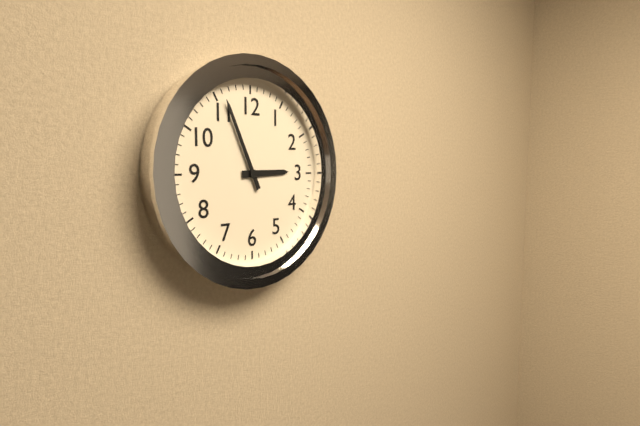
2:56
